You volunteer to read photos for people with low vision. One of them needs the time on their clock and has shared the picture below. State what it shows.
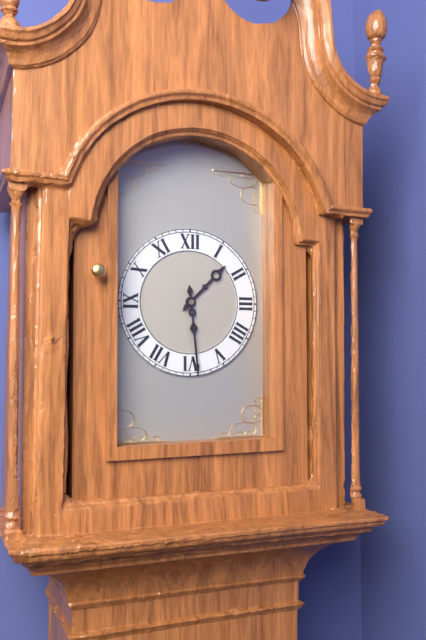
1:29
